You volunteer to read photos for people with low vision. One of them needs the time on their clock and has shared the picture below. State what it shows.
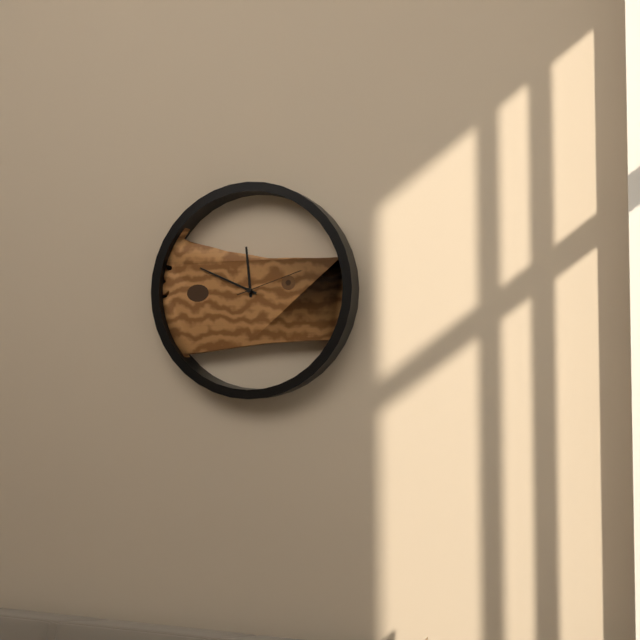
11:49:12
